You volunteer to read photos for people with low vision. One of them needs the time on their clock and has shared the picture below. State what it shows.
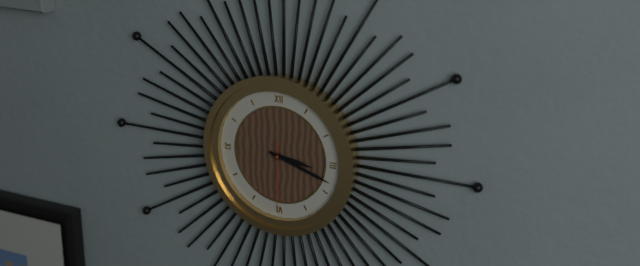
3:18:30
